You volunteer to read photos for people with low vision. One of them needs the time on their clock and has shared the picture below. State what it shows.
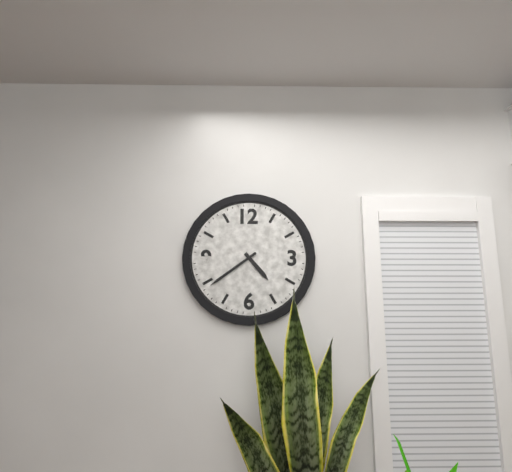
4:39
